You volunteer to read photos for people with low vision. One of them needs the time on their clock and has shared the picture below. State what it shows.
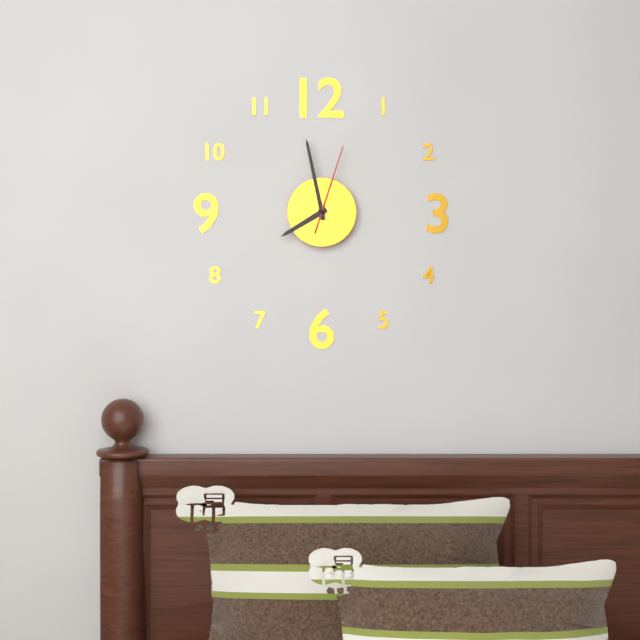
7:58:03
